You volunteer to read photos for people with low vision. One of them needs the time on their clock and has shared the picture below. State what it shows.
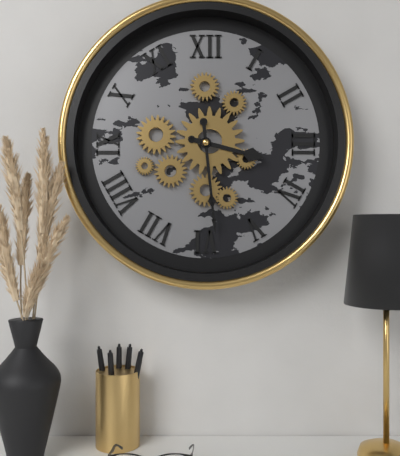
3:29
